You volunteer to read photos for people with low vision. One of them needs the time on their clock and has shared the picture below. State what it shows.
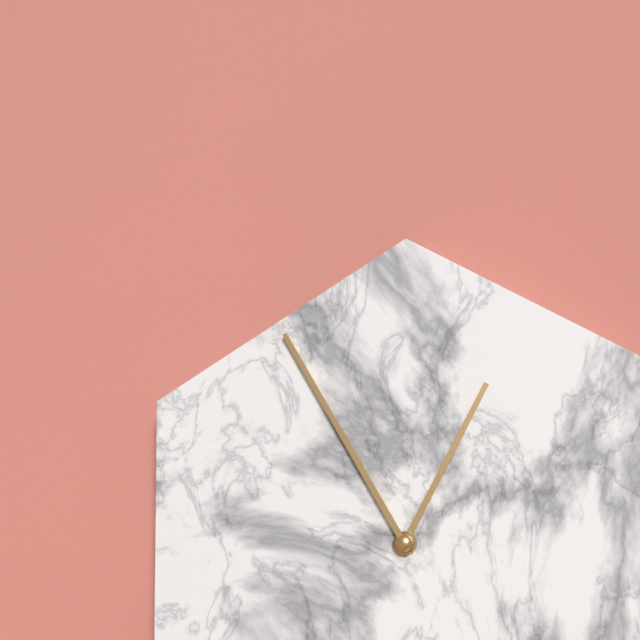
12:55
